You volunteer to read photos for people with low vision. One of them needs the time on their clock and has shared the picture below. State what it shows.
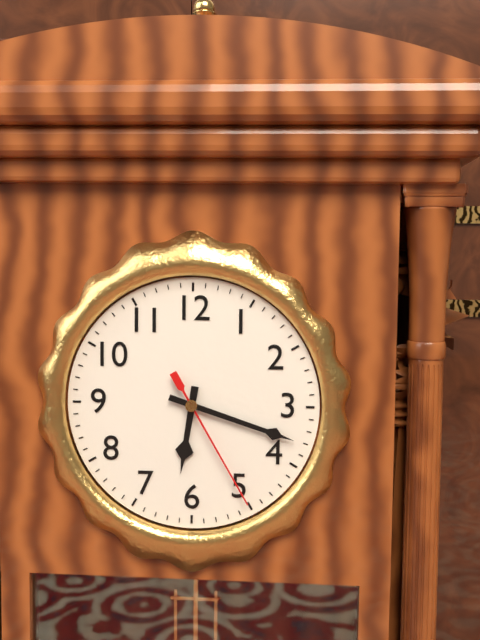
6:18:25
